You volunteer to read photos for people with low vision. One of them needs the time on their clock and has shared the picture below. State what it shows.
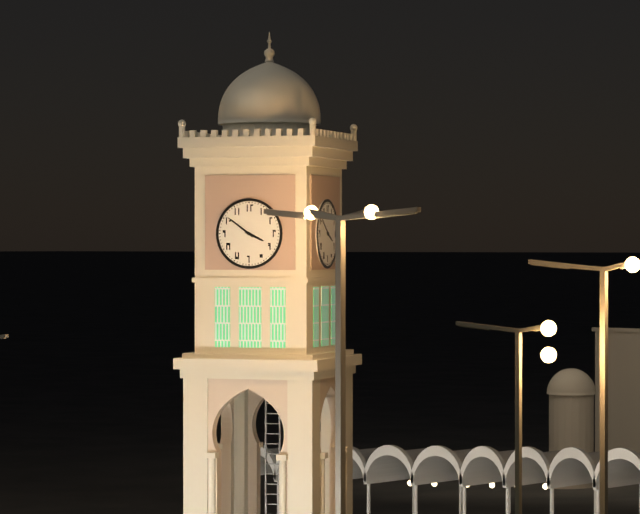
3:51
